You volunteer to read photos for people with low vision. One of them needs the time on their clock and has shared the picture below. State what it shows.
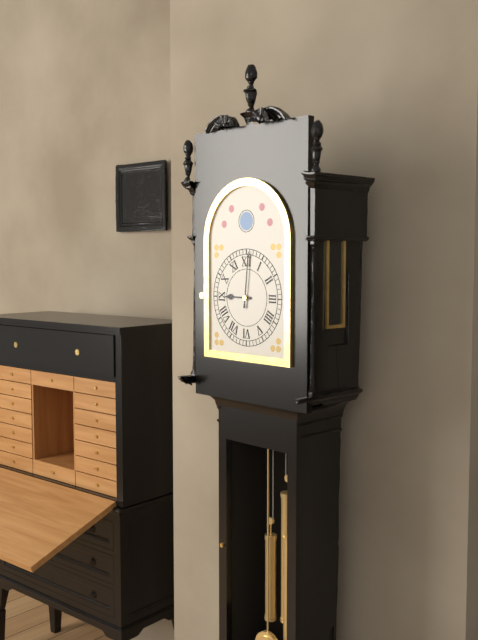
9:01
